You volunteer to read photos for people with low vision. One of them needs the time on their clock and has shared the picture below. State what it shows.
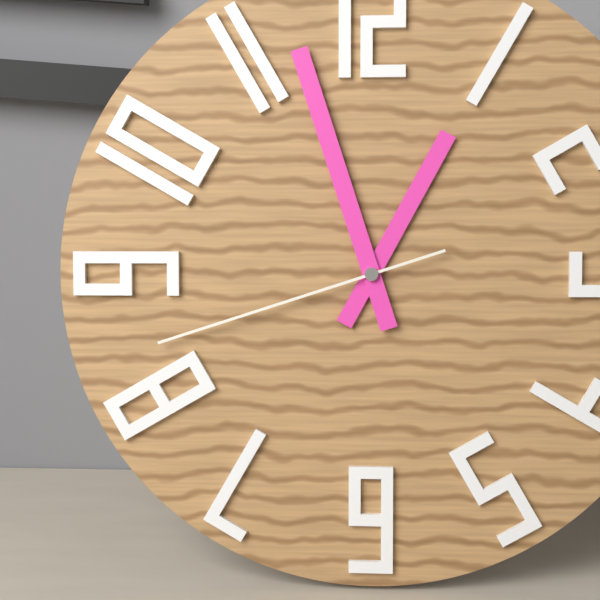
12:57:42
